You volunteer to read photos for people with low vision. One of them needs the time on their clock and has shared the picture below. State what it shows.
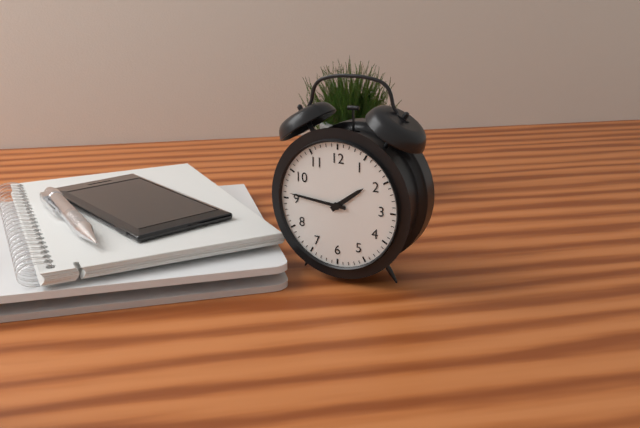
1:46
